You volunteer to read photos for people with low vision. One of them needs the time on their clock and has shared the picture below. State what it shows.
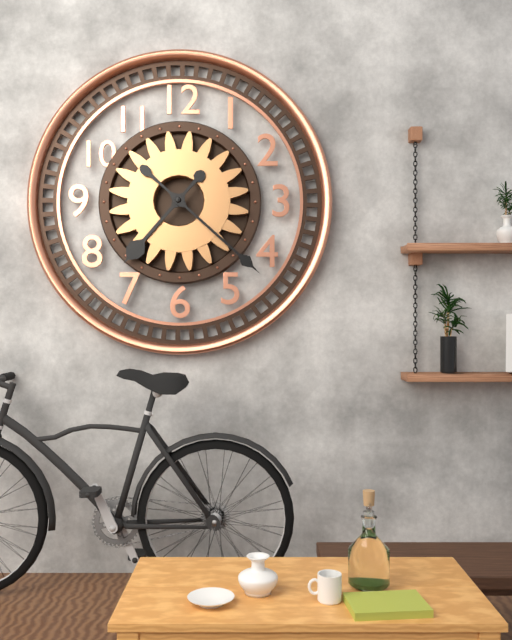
7:22
